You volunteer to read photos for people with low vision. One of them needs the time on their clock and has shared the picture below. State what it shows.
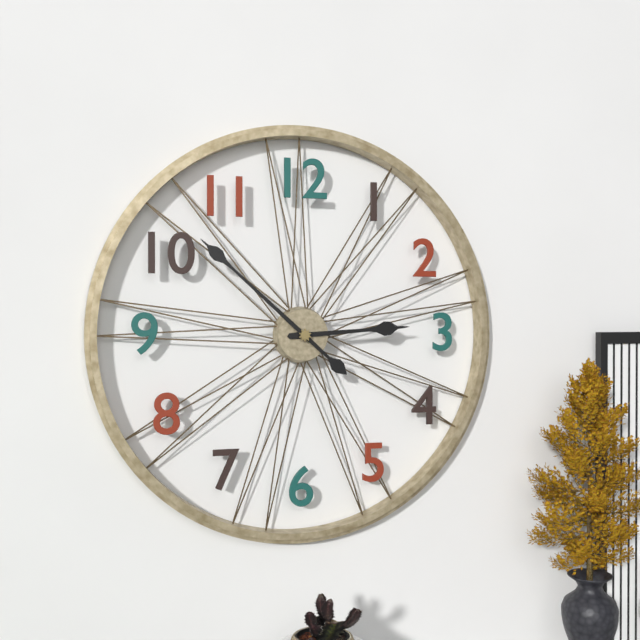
2:52
